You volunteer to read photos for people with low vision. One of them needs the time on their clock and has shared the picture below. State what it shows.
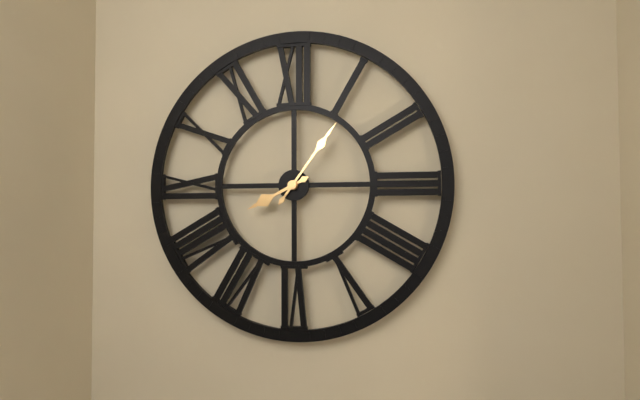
8:06
